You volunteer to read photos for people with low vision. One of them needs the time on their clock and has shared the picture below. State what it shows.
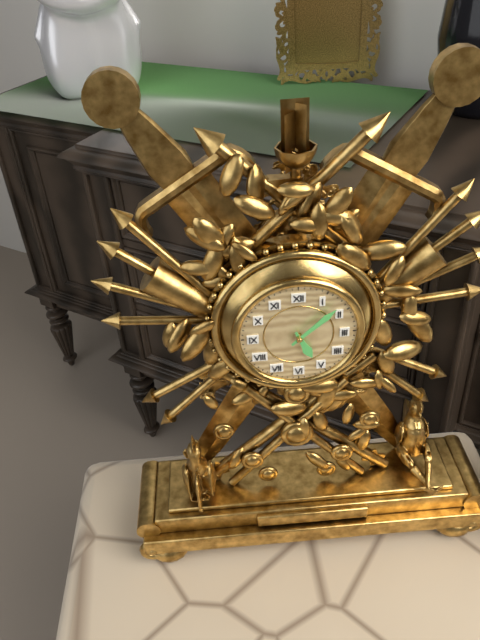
5:08
